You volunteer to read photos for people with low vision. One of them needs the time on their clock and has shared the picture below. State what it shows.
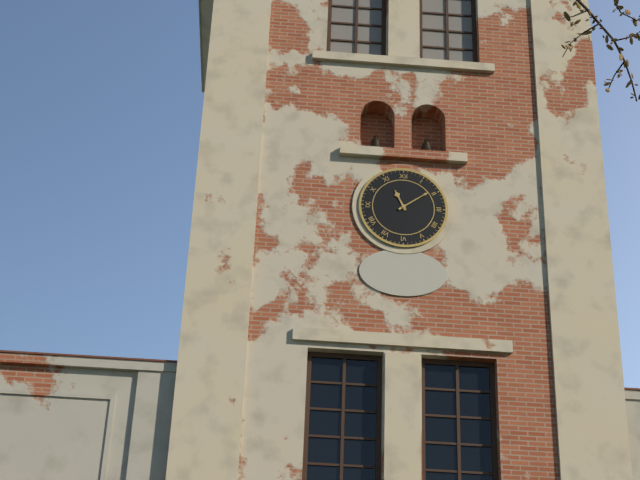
11:09
